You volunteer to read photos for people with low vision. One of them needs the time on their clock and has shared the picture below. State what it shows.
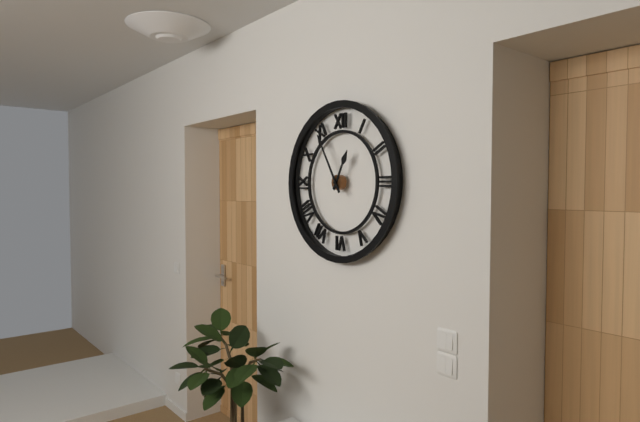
12:55
